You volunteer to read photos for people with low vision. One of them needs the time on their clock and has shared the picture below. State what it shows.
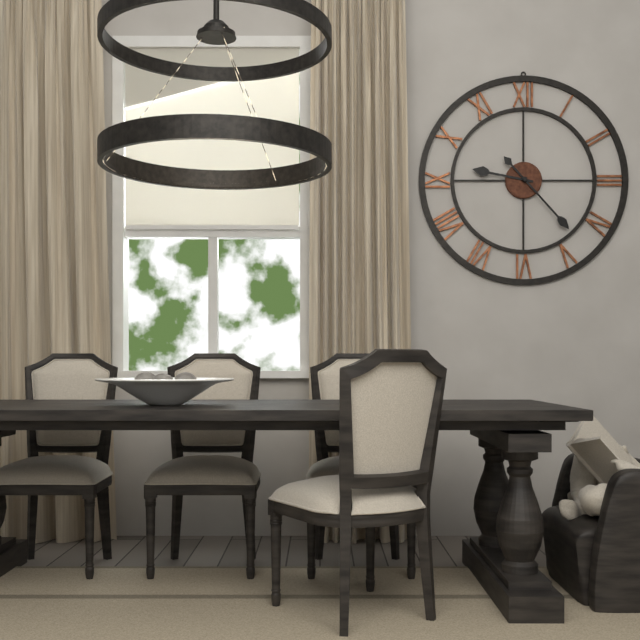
9:23
